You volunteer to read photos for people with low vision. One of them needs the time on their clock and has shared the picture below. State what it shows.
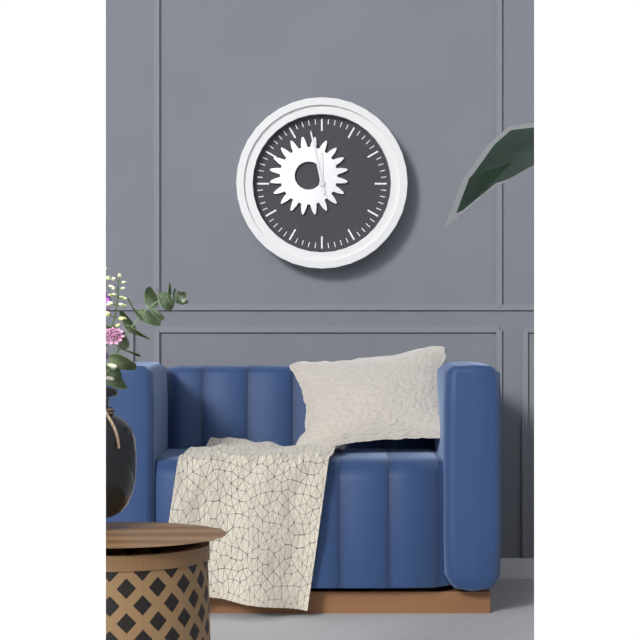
11:58
